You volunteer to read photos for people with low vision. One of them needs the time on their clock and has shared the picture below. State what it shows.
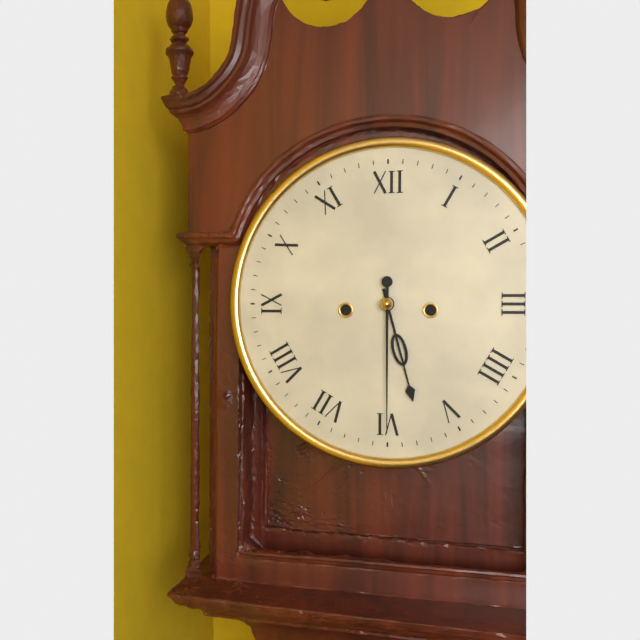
5:30
